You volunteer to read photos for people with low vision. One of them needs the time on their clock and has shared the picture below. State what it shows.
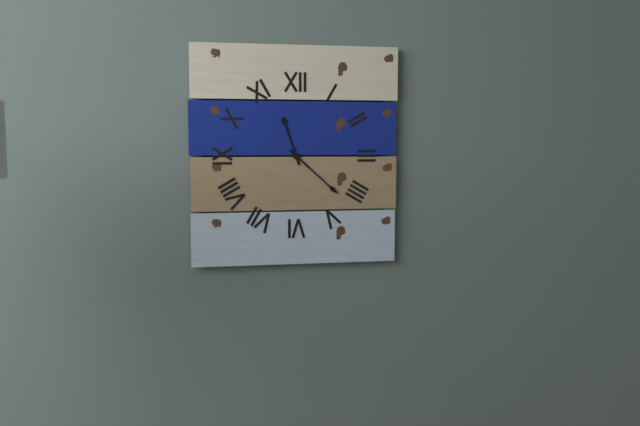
11:22
